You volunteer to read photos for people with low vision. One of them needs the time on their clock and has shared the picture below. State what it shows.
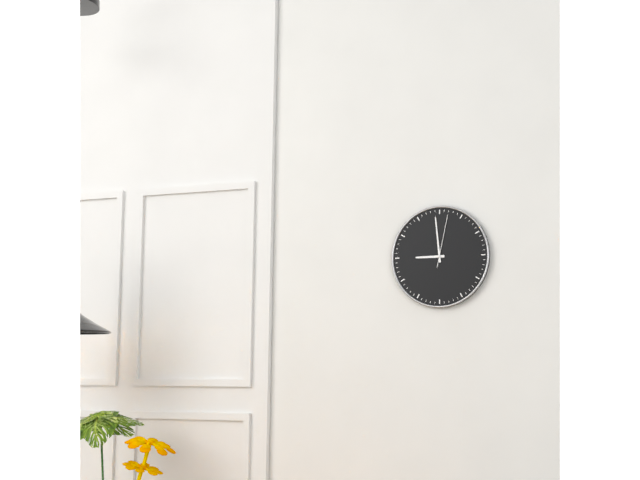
8:59:02
